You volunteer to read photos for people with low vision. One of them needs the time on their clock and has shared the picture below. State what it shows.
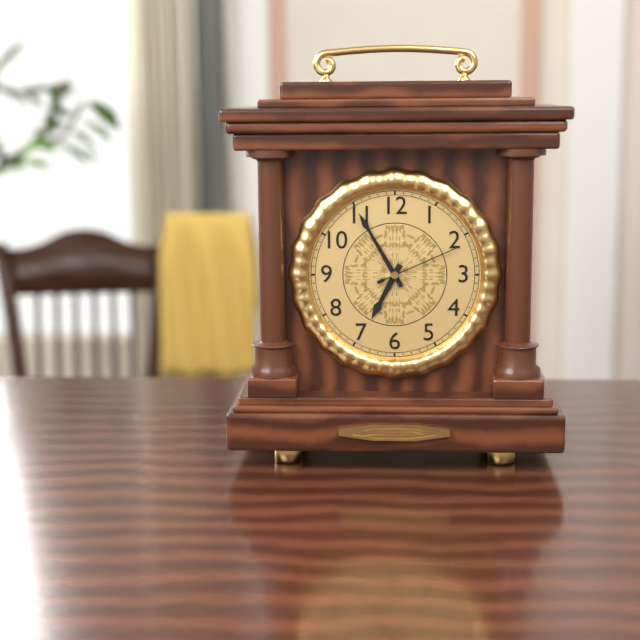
6:55:11
